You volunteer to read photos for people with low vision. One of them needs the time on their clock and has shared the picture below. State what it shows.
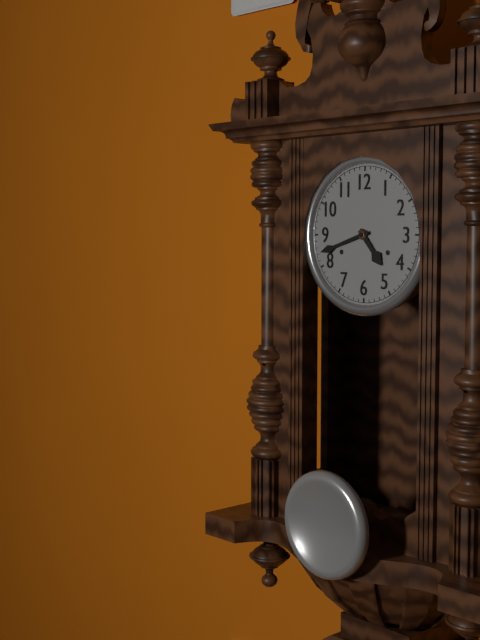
4:42
